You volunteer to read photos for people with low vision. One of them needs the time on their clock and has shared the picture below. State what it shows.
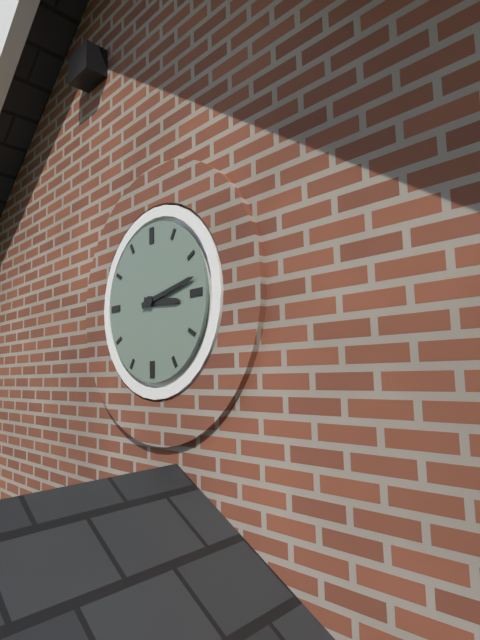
3:13
